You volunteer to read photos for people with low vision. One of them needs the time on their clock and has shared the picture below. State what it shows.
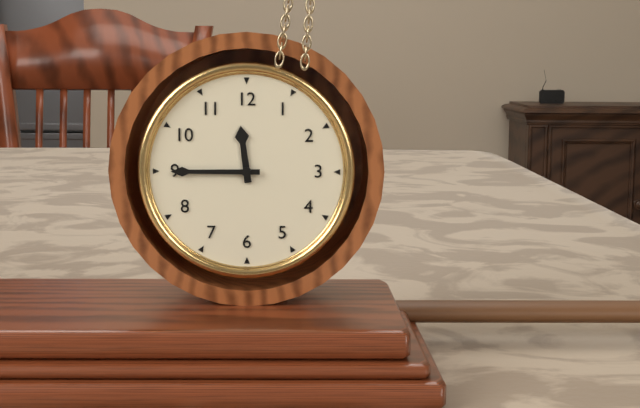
11:45
